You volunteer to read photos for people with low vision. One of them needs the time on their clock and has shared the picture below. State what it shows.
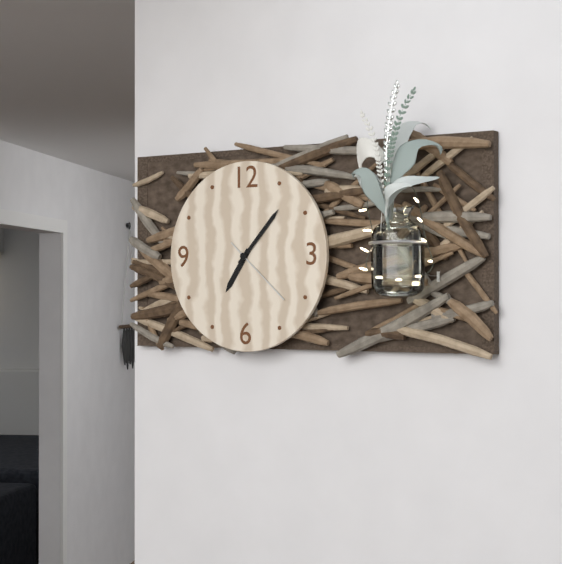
7:07:22
